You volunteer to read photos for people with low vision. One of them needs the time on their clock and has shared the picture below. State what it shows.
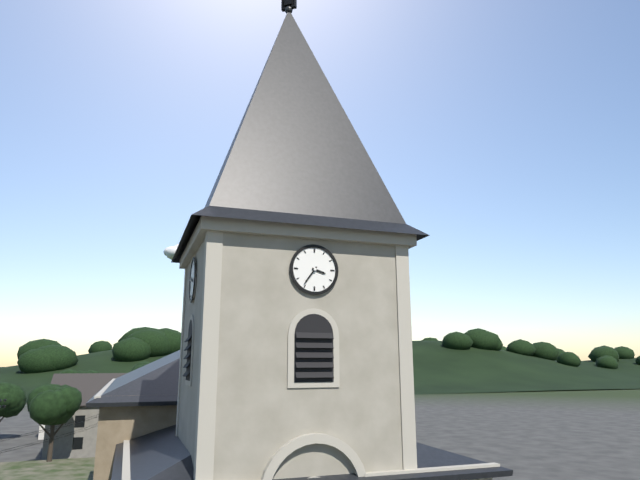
3:36
